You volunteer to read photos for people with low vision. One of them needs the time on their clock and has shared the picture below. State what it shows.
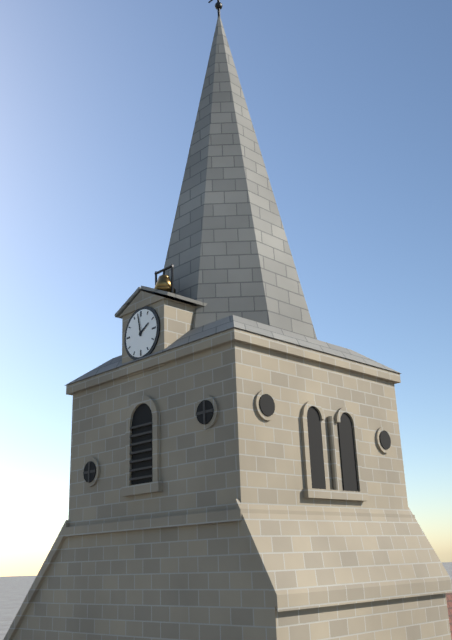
1:58
